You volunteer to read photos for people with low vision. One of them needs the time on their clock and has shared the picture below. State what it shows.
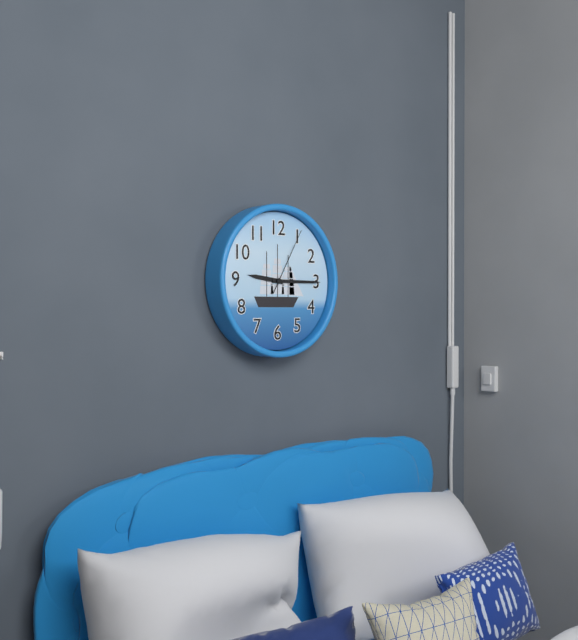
9:15:05
